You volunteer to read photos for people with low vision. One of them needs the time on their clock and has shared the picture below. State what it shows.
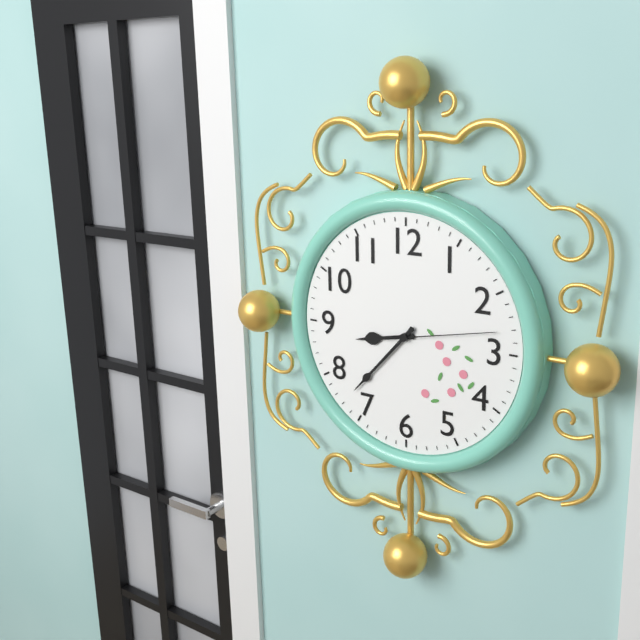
8:37:13
